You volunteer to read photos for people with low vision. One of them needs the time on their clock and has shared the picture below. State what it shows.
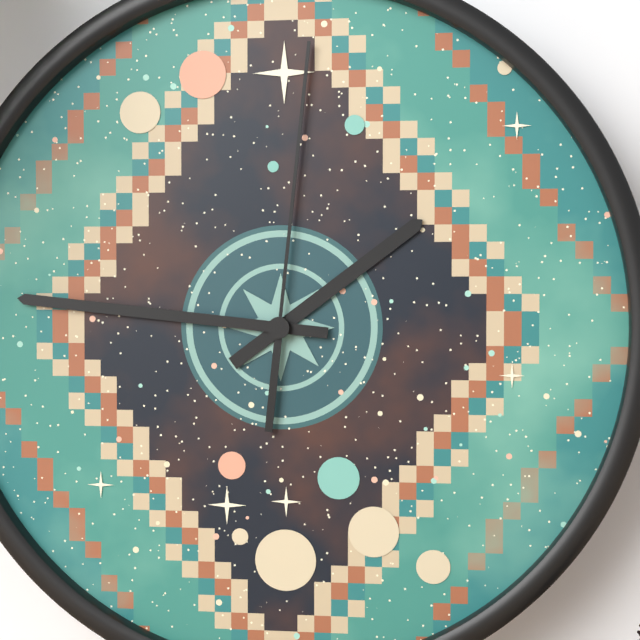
1:46:01
